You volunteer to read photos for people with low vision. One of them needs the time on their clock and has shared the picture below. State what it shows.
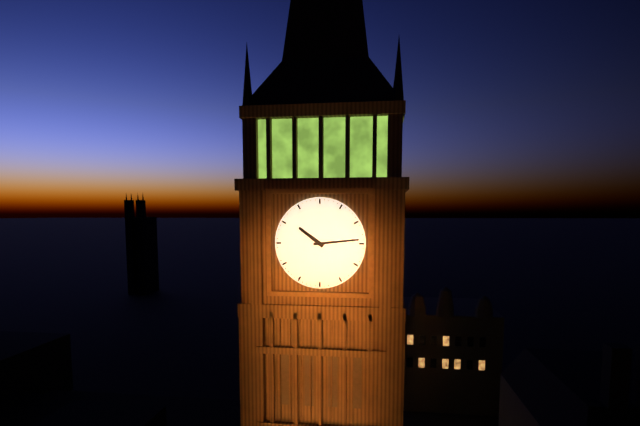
10:14
